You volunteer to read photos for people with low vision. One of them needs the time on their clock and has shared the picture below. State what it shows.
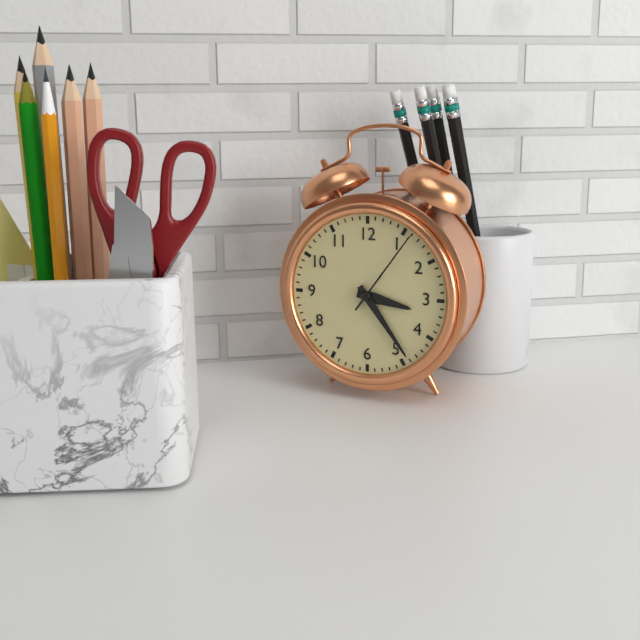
3:24:06
